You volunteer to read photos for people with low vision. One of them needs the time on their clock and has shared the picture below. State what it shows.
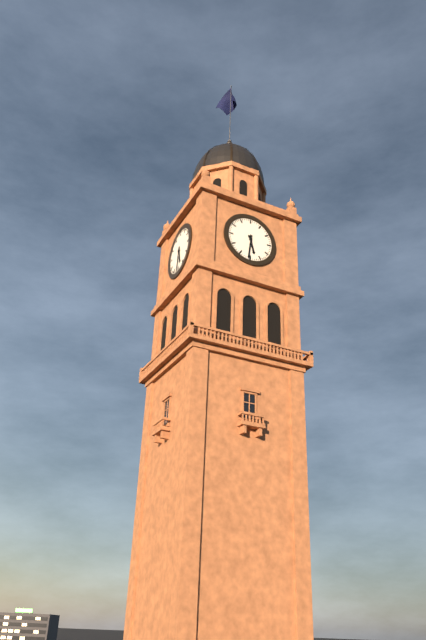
5:31
